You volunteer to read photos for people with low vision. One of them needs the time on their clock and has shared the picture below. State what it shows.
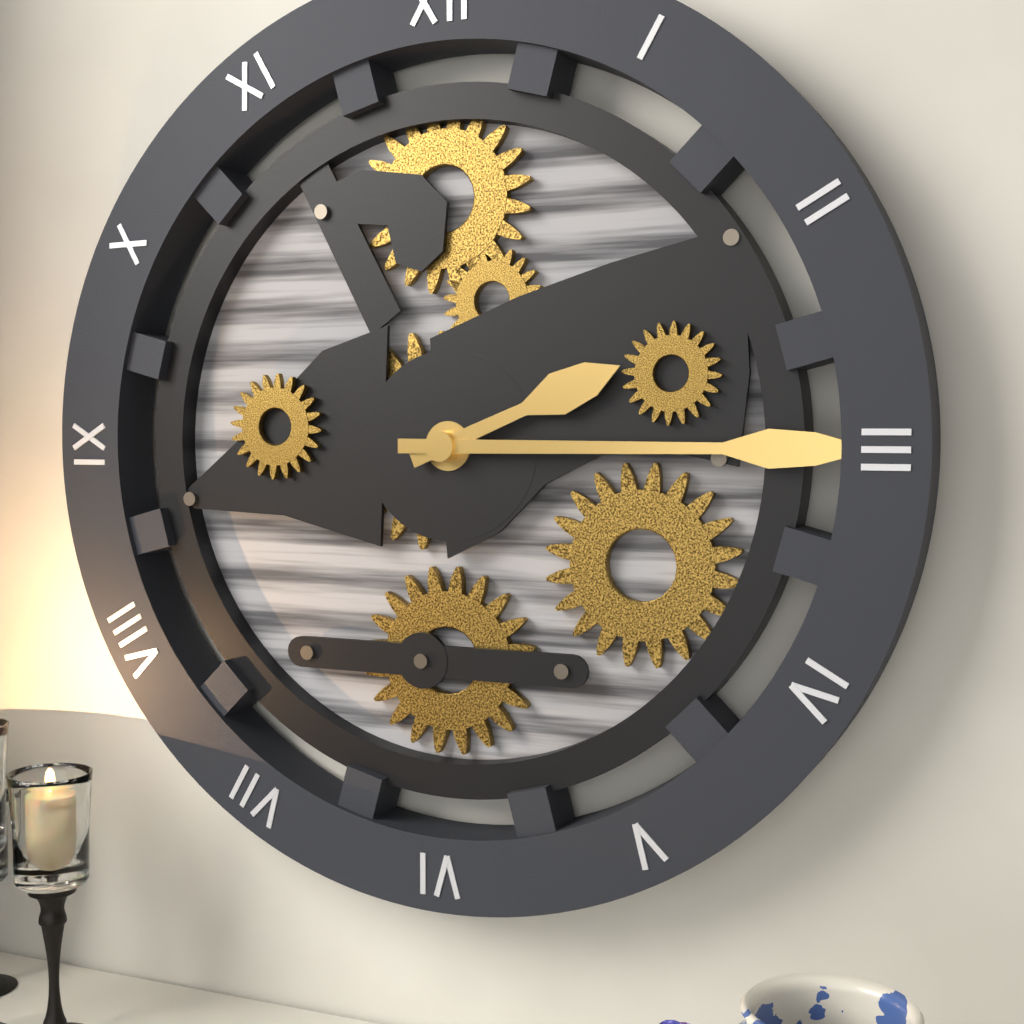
2:15
